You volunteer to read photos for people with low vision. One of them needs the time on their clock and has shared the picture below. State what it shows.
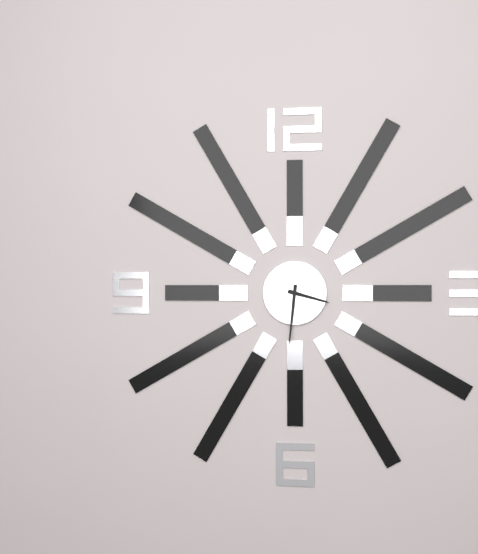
3:31
